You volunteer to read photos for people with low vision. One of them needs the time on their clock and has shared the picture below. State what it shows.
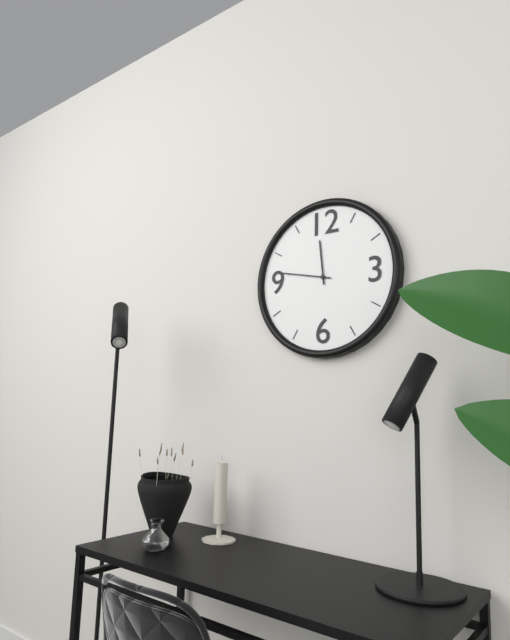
11:47
